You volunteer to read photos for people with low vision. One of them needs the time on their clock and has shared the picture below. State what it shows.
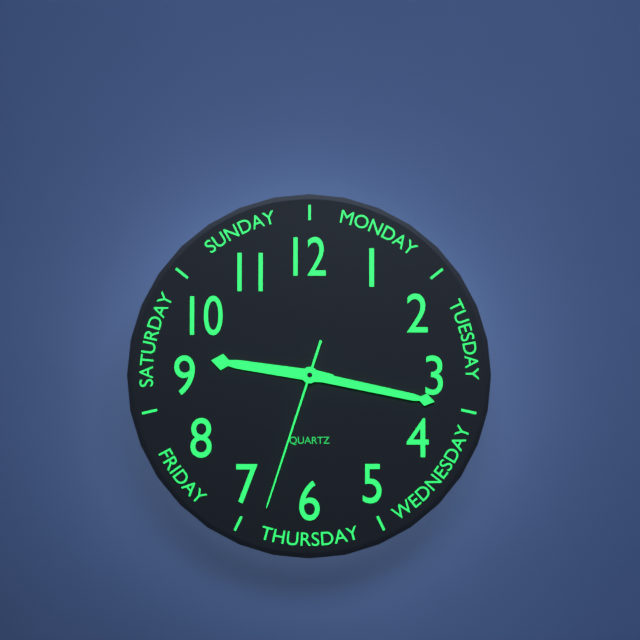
9:17:33
